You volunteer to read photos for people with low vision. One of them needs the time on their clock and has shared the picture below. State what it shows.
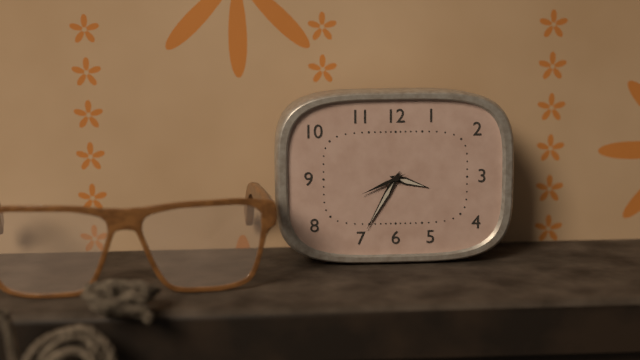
3:35
